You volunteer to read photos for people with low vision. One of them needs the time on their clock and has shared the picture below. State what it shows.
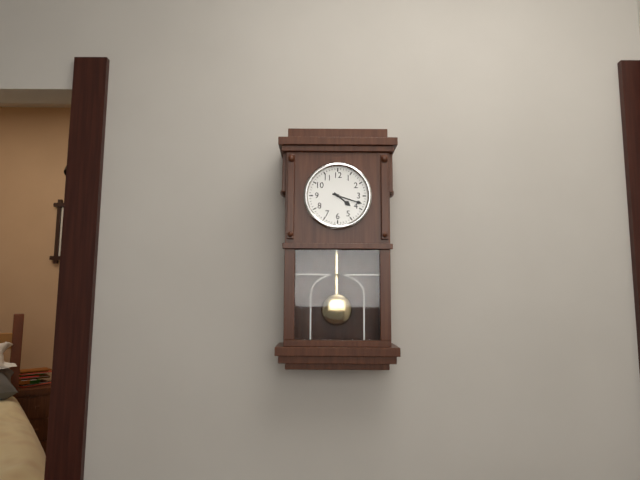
4:18
